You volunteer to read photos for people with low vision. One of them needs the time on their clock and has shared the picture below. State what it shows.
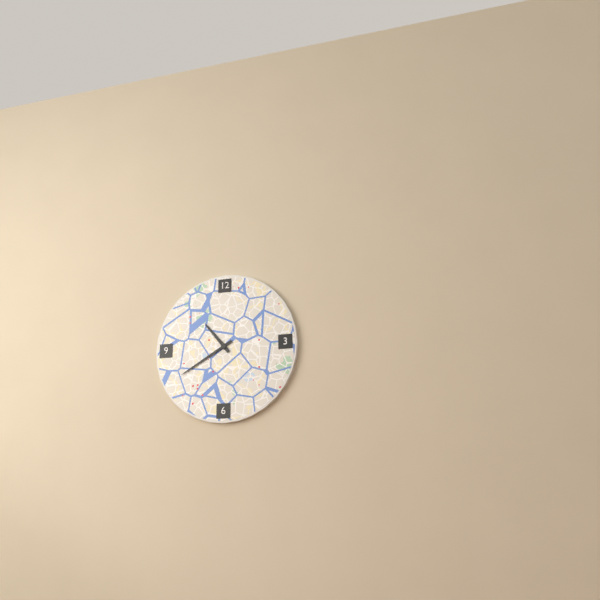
10:40
